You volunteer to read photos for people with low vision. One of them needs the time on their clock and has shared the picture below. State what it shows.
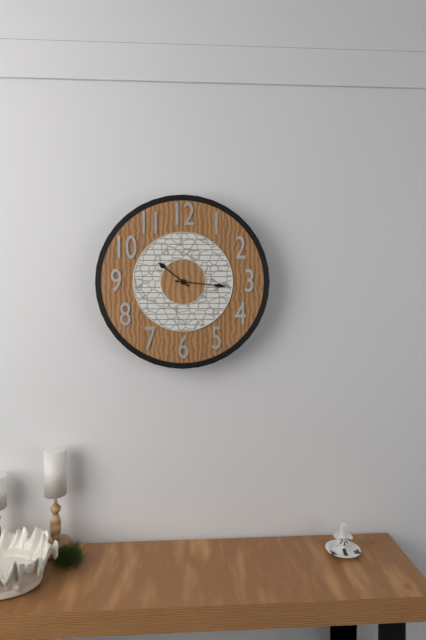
10:16
